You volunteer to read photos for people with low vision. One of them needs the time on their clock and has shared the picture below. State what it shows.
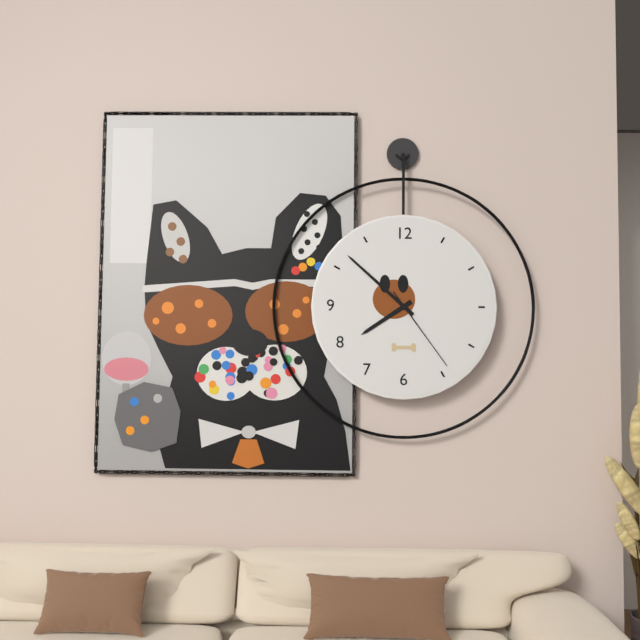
7:52:24
